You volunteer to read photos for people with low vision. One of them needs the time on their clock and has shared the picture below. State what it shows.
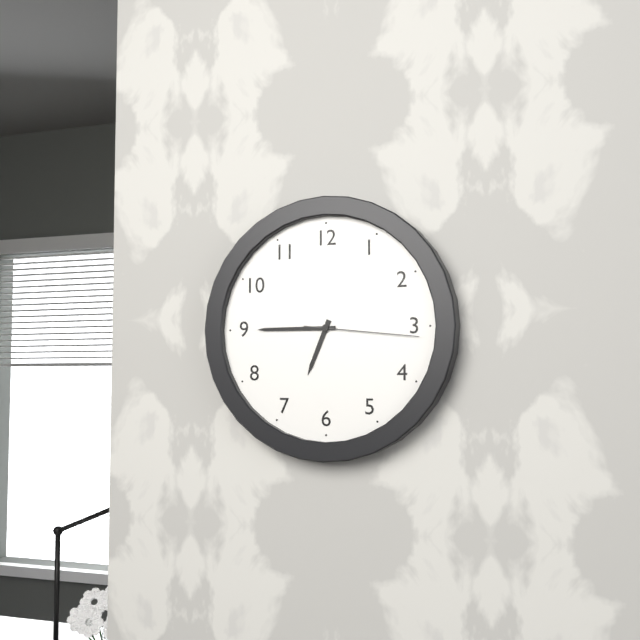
6:45:16
